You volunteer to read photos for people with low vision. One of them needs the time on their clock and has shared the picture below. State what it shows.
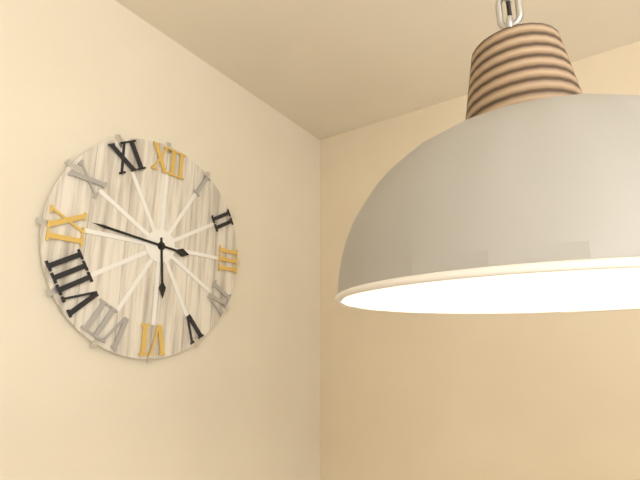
5:46
